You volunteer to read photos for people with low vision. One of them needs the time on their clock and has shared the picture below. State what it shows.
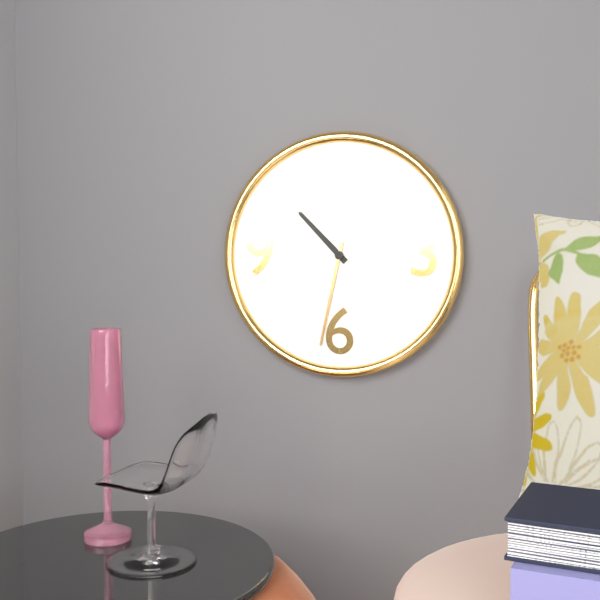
10:32
